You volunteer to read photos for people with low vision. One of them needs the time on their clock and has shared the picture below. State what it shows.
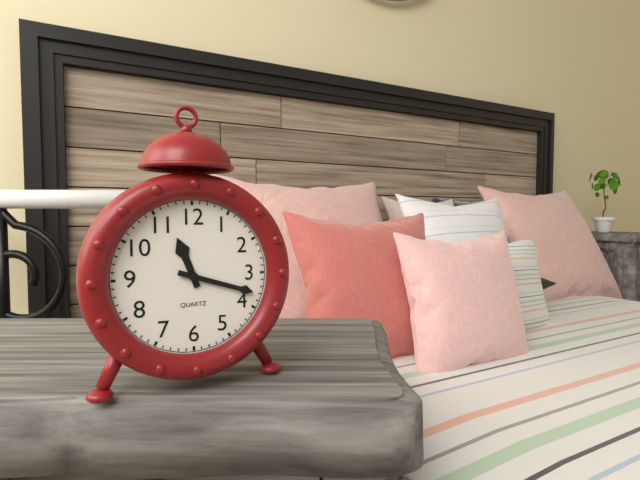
11:18
